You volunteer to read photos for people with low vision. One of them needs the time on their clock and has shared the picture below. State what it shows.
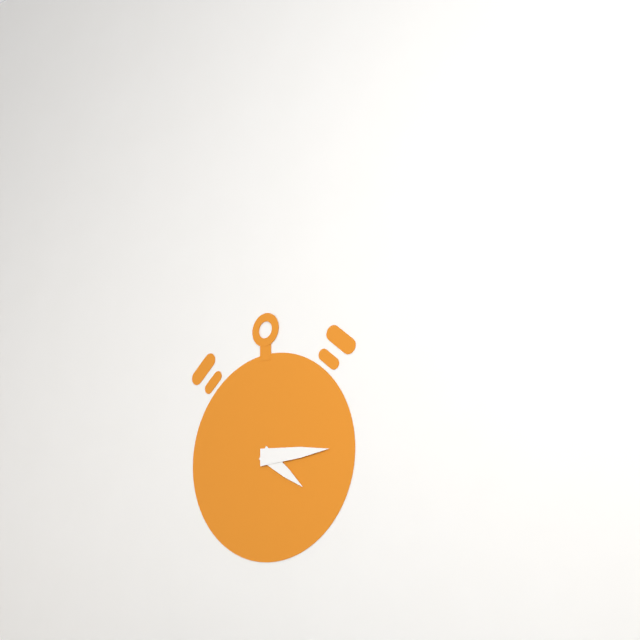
4:15
